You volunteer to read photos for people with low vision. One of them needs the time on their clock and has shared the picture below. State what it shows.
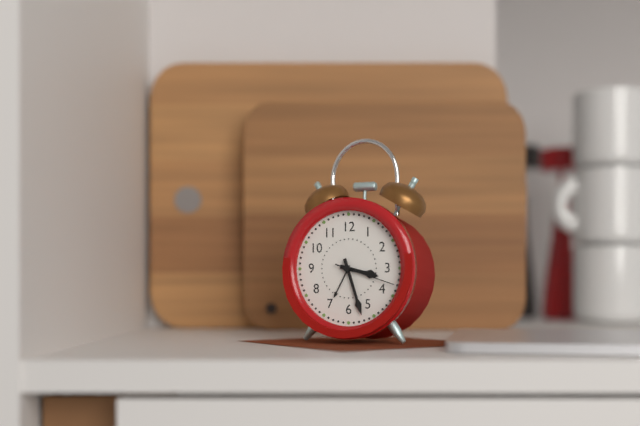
3:27:18
